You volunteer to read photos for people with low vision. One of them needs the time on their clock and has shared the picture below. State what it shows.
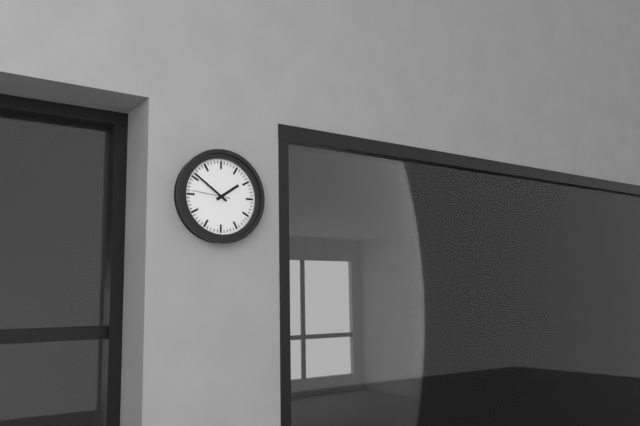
1:51
